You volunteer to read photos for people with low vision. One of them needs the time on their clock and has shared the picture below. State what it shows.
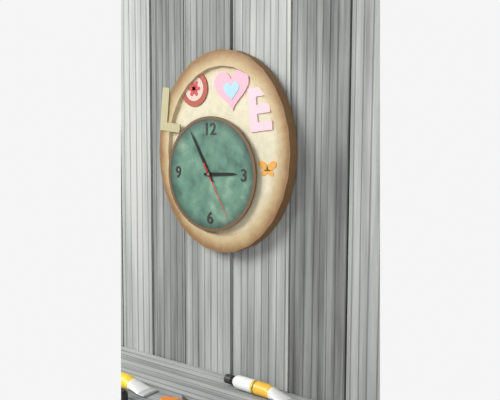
2:55:25
